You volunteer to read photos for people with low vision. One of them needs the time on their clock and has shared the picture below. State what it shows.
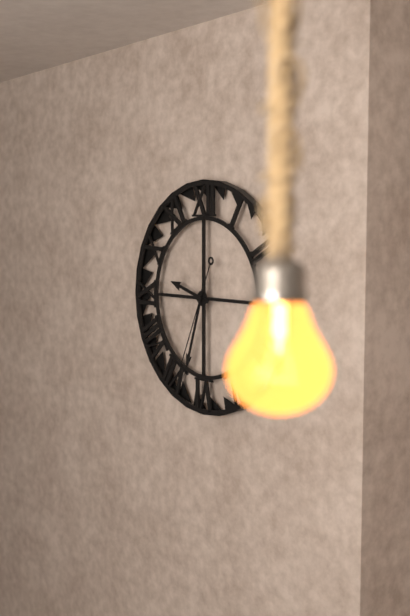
9:33:34
